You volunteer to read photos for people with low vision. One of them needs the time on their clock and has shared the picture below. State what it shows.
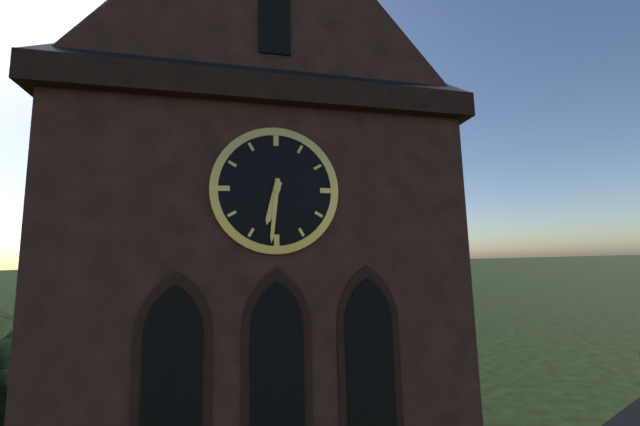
6:31
